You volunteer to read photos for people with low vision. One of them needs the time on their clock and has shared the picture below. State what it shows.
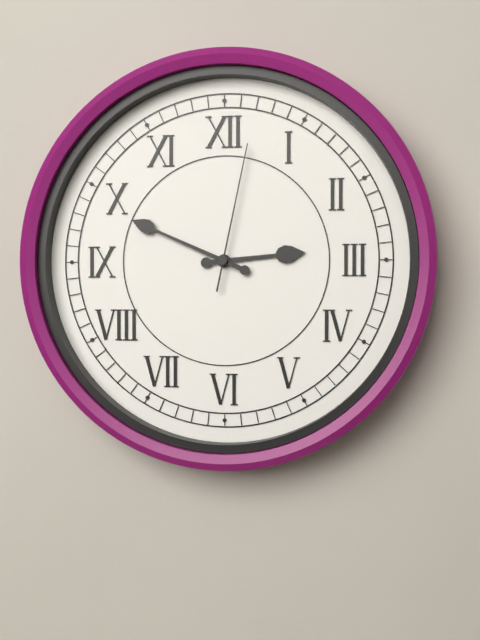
2:49:02
